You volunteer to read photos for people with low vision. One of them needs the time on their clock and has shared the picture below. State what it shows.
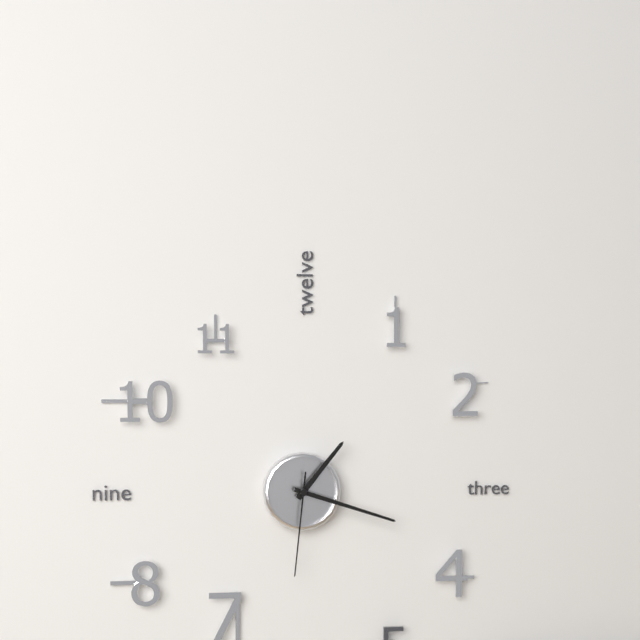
1:18:31
